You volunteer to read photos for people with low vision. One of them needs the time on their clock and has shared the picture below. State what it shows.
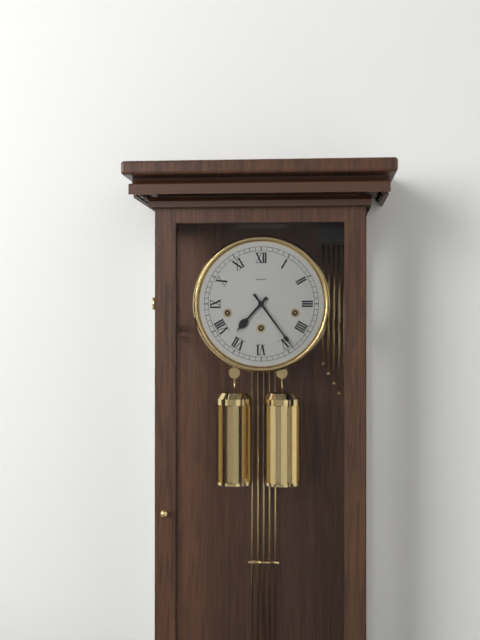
7:24
